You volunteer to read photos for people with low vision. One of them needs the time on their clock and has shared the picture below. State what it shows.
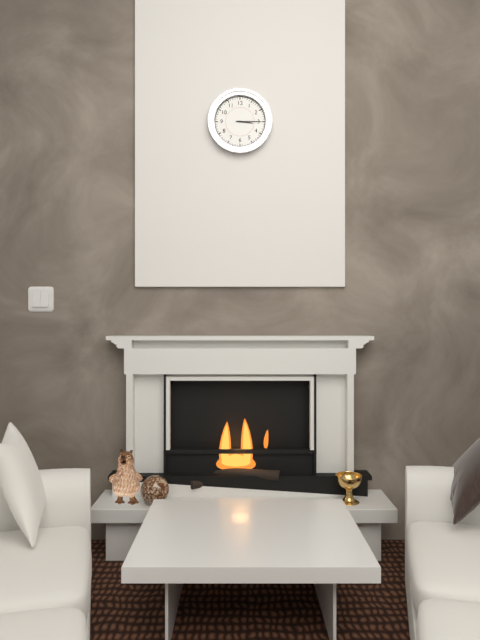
3:15
